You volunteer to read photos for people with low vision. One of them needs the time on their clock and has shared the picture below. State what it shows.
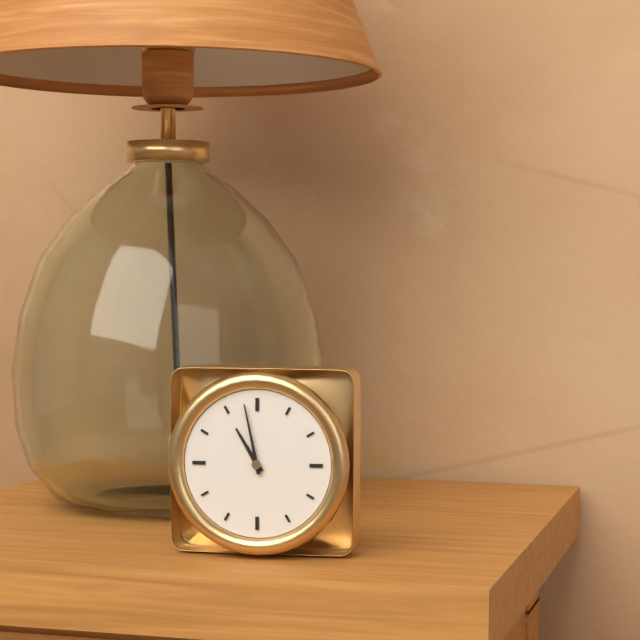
10:58
